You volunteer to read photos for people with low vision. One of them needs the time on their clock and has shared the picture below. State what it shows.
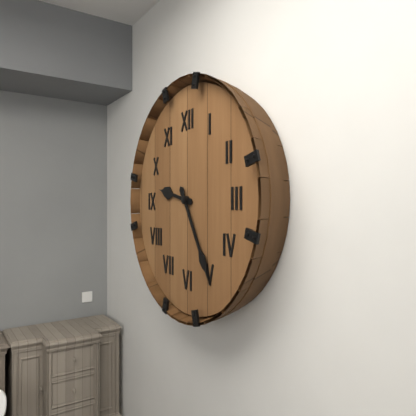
9:25
